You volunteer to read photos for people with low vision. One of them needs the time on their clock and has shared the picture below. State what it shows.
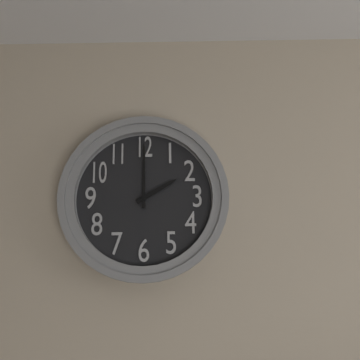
2:00
